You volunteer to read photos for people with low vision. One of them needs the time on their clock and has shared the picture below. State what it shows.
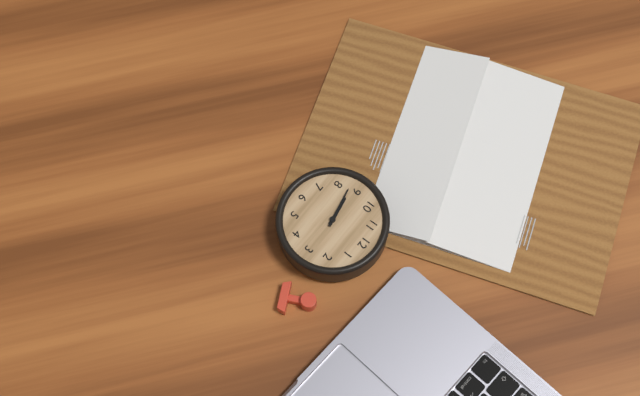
8:43
